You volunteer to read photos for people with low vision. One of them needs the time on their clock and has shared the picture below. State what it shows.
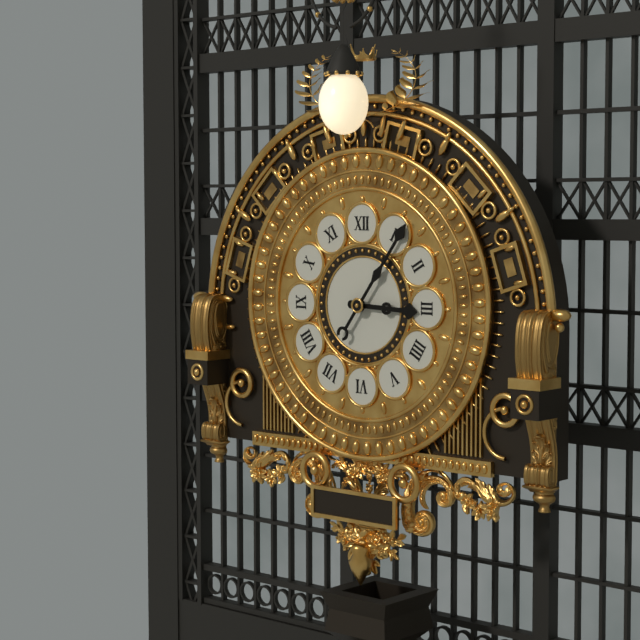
3:06
